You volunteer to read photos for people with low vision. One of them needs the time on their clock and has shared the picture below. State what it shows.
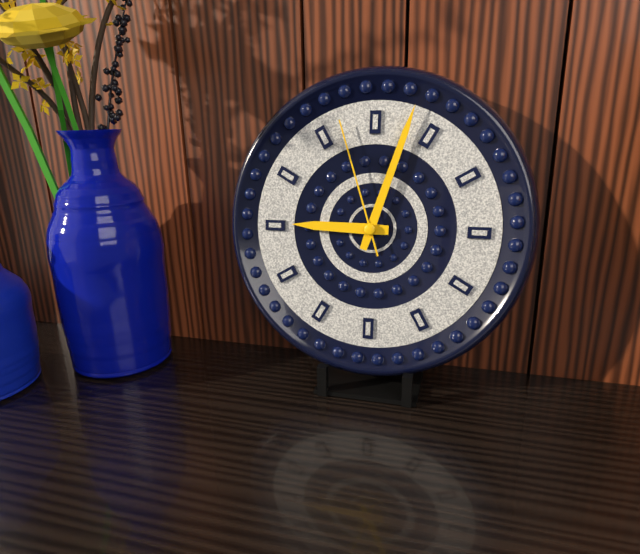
9:03:57
